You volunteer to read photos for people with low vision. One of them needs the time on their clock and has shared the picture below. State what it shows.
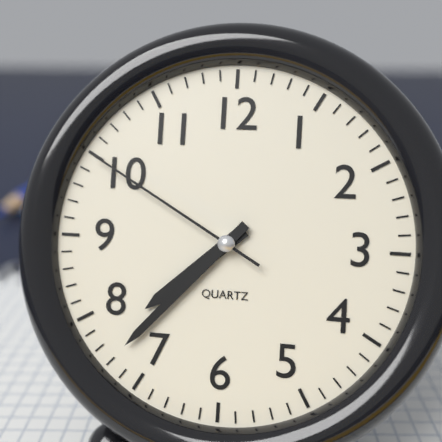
7:37:50
